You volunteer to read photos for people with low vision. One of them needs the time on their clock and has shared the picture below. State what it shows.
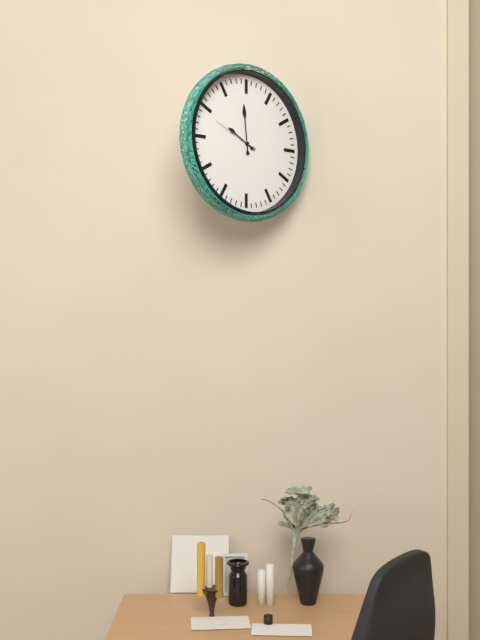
9:59
